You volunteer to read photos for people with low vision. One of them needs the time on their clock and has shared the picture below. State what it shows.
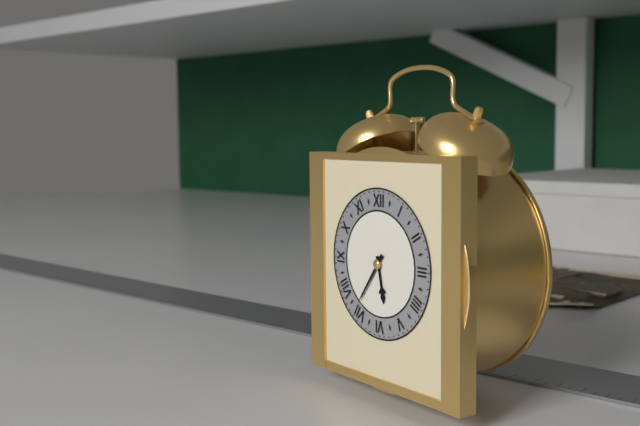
5:36
